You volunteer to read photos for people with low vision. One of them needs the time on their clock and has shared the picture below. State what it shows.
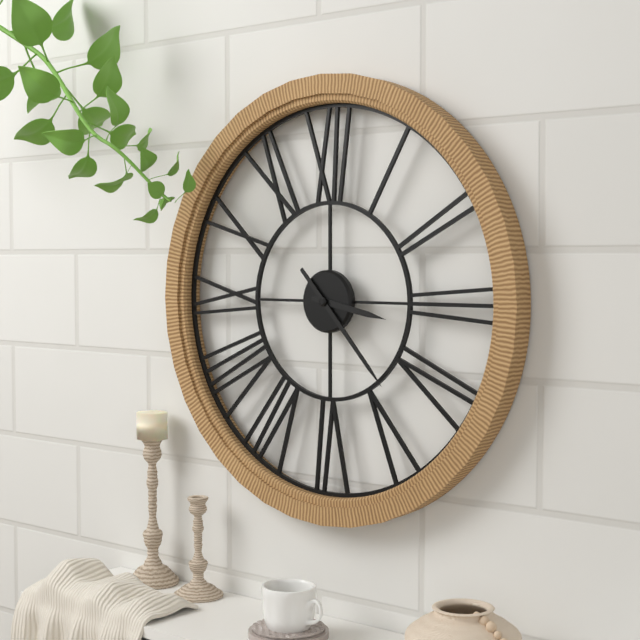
3:23
